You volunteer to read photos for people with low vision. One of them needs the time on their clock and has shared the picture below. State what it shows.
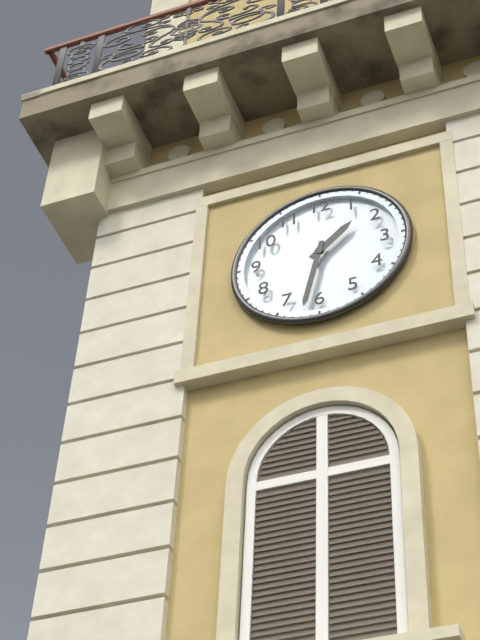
1:32
